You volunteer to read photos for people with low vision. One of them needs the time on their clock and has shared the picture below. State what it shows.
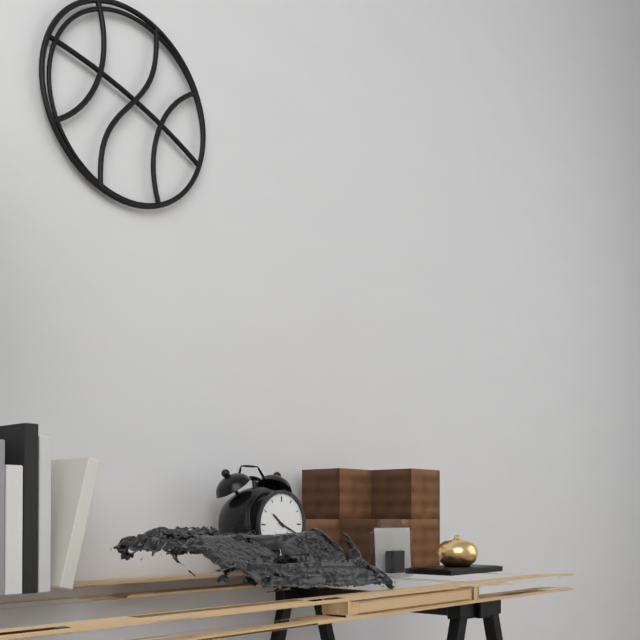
10:19
